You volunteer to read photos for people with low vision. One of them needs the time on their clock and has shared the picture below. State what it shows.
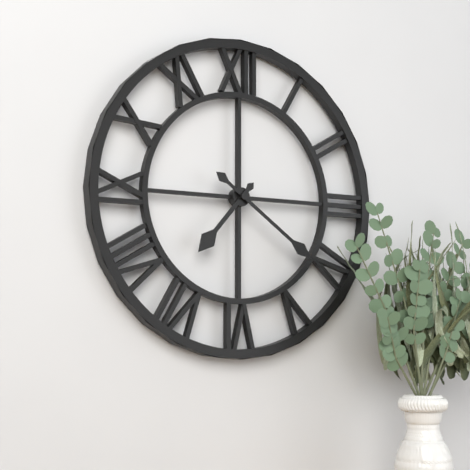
7:21
